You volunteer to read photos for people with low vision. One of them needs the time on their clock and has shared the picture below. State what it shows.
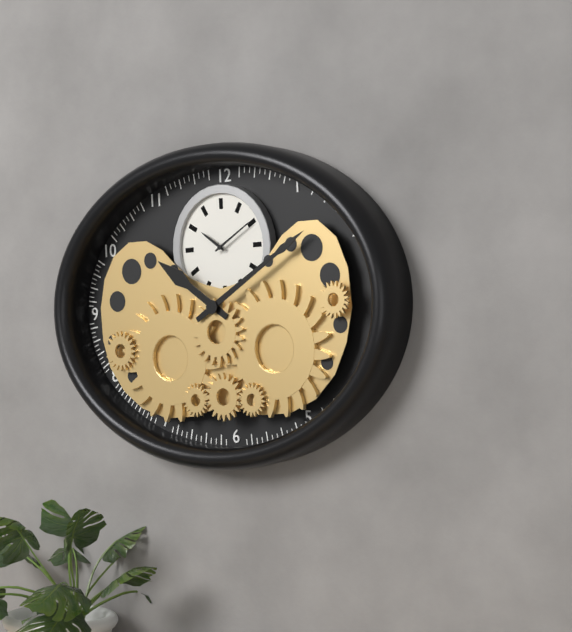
10:10
